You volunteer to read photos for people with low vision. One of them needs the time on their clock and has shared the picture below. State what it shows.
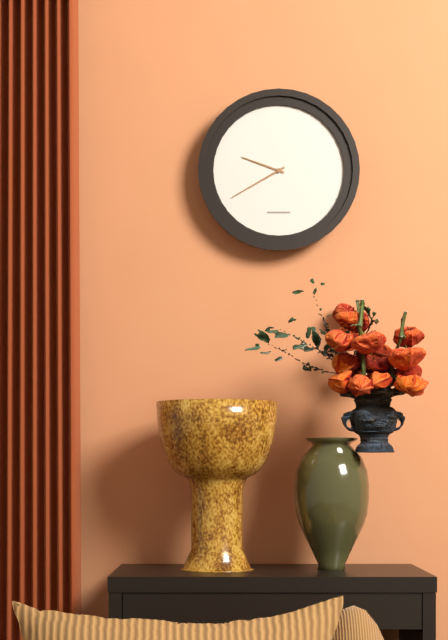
9:40
